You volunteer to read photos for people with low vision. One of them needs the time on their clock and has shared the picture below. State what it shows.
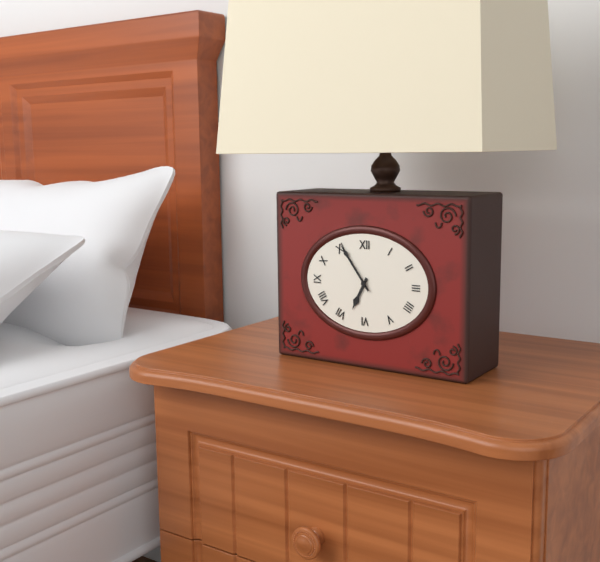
6:54
